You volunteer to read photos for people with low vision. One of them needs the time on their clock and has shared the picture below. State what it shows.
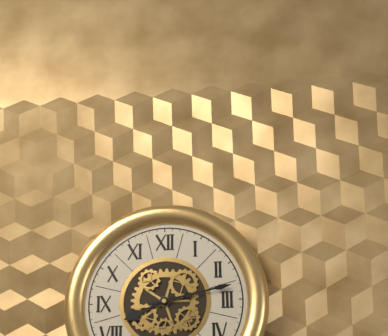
8:13
